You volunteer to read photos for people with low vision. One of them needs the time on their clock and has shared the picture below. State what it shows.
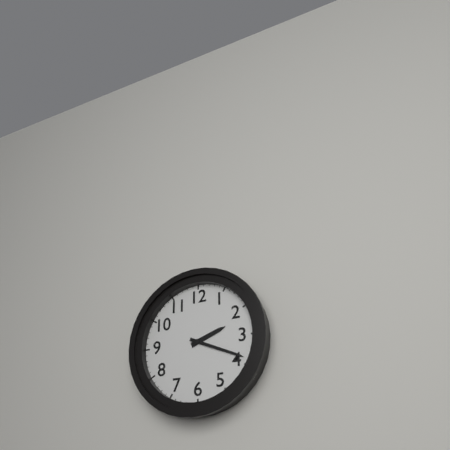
2:19
